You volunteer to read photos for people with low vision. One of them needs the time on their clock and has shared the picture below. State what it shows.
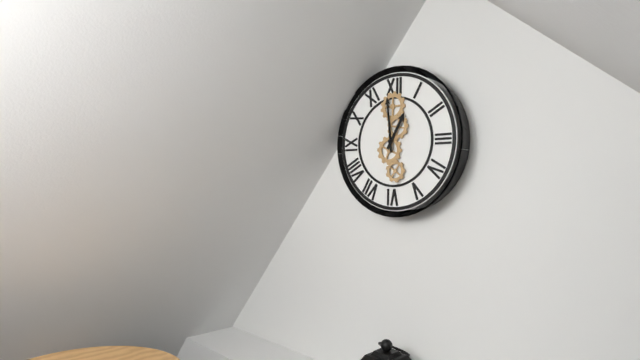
12:59
